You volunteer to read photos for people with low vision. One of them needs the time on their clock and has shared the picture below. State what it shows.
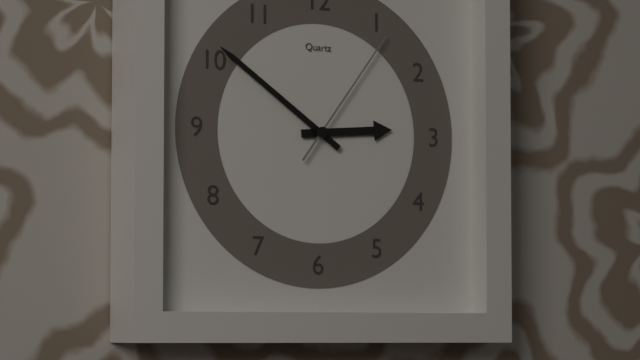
2:51:06
